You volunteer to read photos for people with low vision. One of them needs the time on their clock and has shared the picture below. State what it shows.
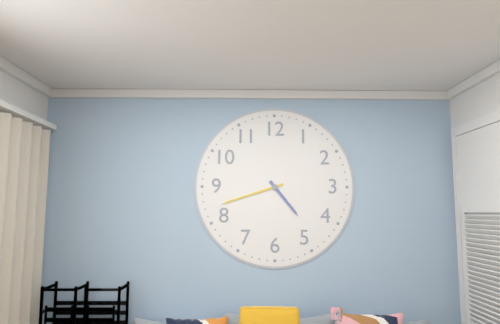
4:42
